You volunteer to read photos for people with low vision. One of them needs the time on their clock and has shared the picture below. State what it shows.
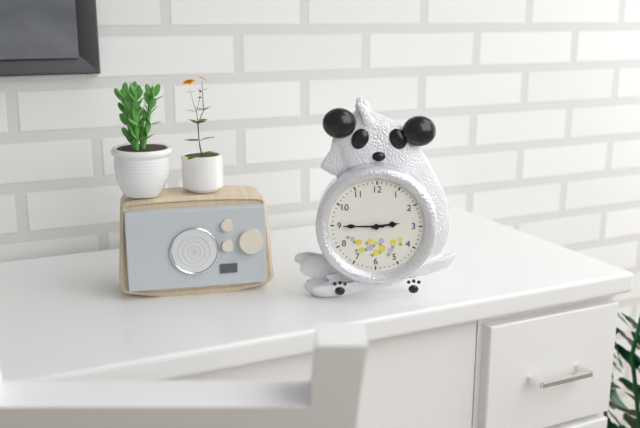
2:45
